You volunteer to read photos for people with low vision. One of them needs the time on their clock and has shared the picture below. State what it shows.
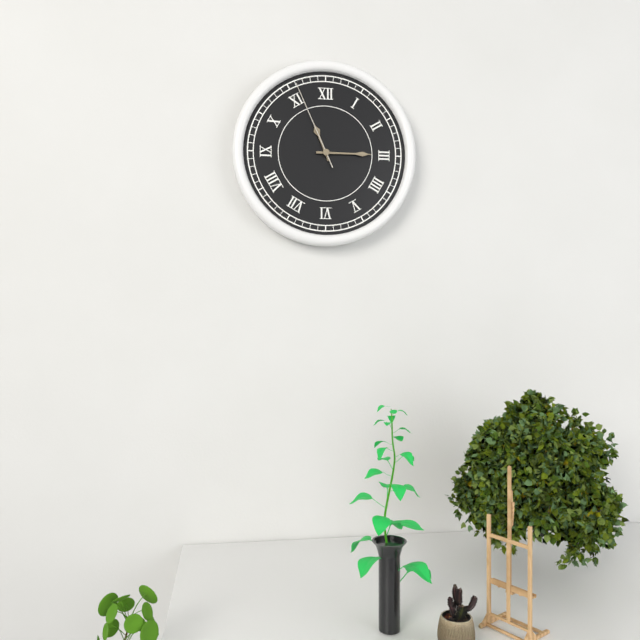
11:15:56
